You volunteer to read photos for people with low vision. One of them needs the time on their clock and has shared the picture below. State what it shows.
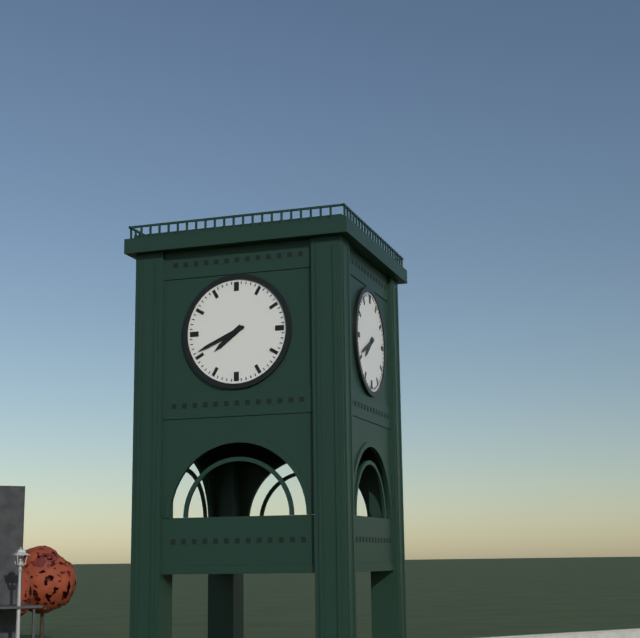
7:41
